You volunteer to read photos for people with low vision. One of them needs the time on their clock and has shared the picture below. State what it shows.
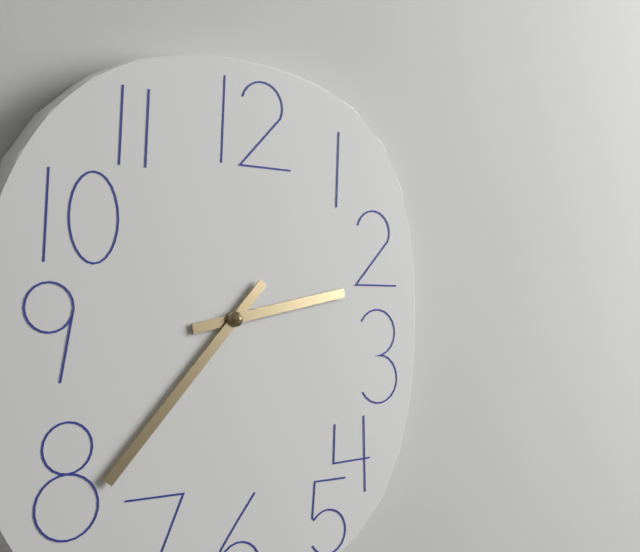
2:37
